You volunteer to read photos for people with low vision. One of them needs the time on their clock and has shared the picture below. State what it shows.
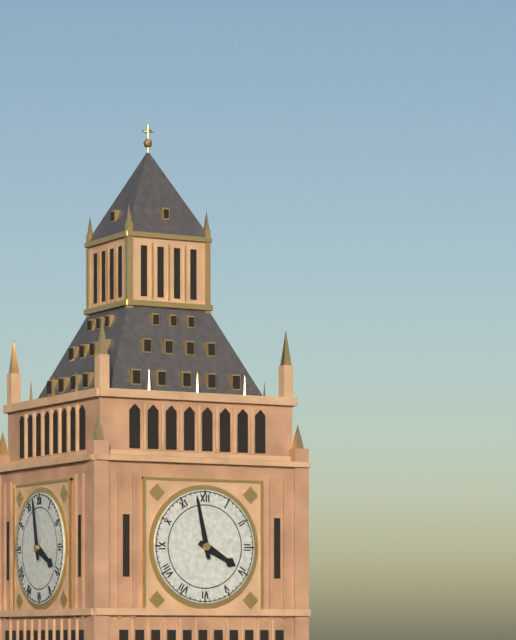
3:58
